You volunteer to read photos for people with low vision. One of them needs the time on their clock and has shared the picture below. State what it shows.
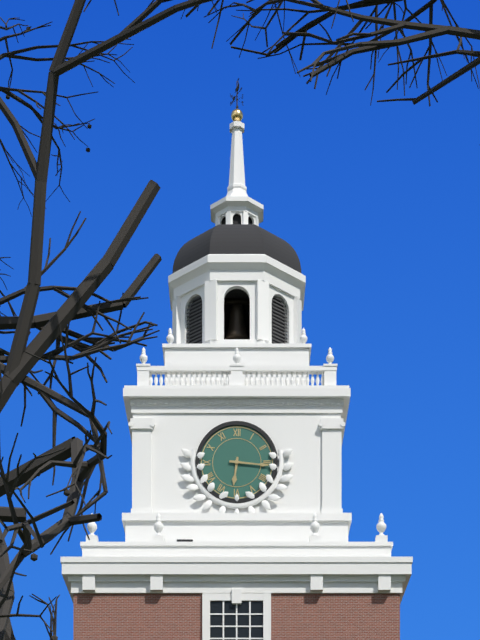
6:16
